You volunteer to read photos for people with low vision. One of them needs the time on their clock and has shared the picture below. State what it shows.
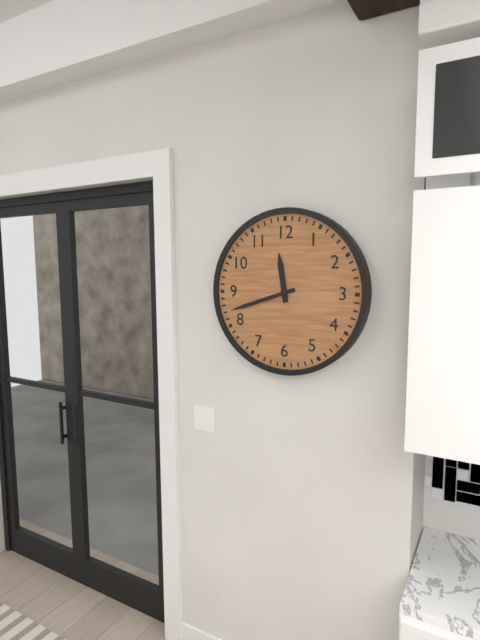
11:42
